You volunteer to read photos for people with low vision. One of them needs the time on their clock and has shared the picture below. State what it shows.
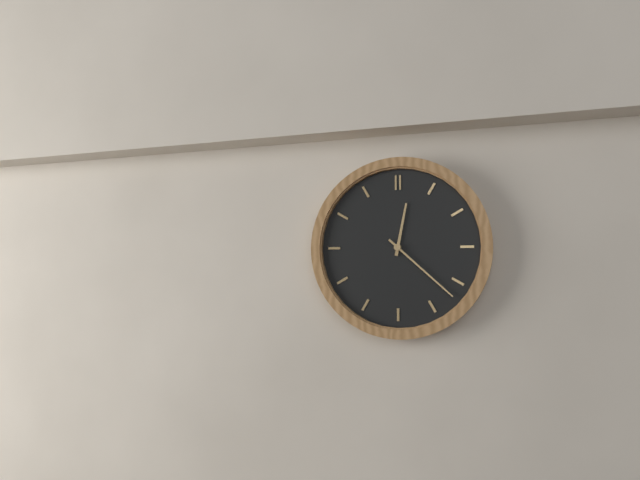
12:22
